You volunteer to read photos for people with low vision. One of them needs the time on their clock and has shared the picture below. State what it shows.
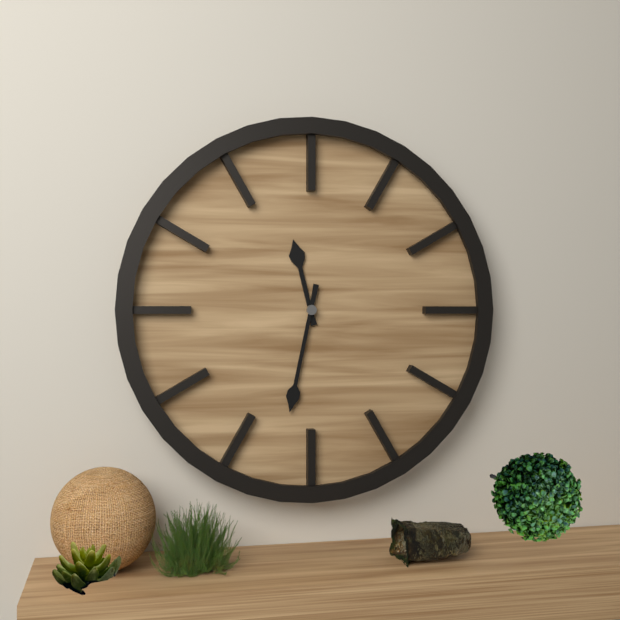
11:32
